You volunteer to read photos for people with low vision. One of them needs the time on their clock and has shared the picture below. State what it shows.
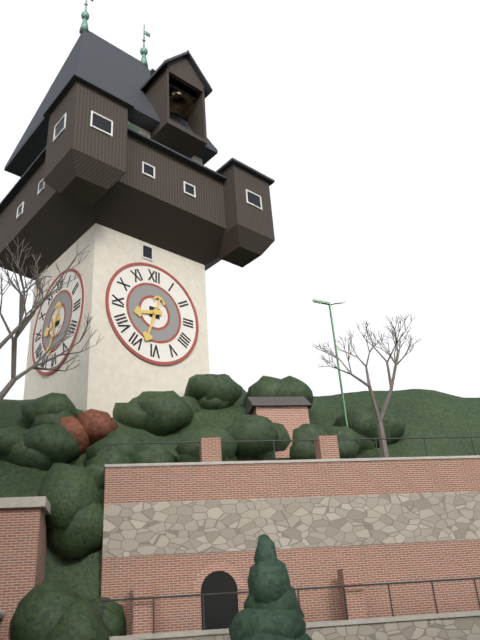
8:33
